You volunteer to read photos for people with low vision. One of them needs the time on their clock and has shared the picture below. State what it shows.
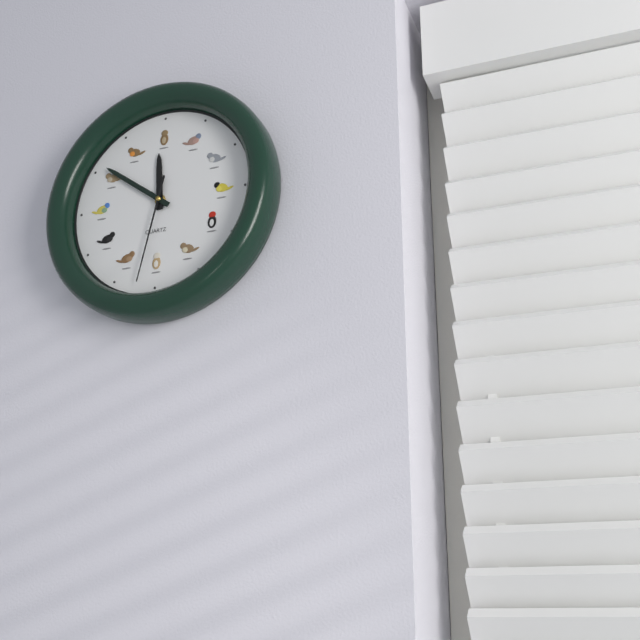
11:51:32
